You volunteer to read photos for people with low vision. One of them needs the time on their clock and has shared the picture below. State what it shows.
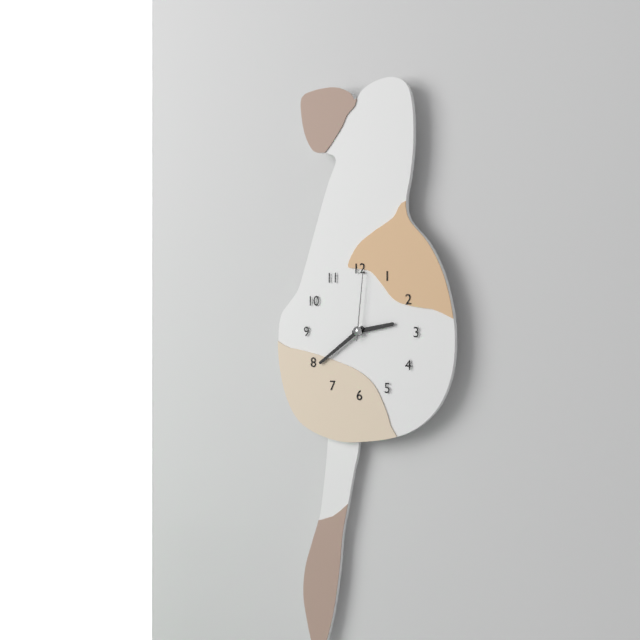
2:39:01
